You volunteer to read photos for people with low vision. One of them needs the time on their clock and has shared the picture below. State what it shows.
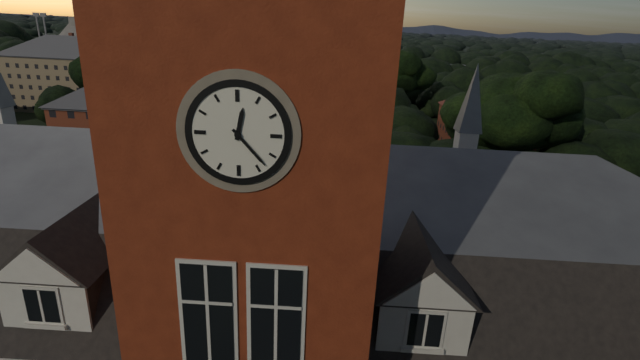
12:23
